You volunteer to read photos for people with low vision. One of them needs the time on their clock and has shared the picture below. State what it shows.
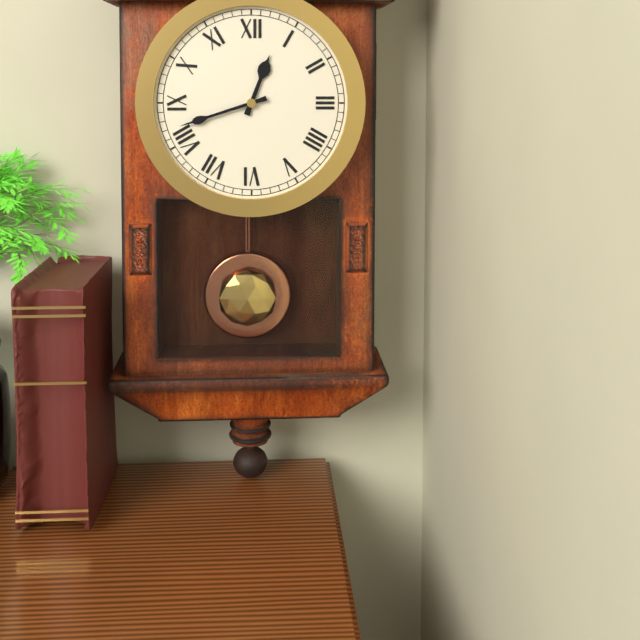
12:42
